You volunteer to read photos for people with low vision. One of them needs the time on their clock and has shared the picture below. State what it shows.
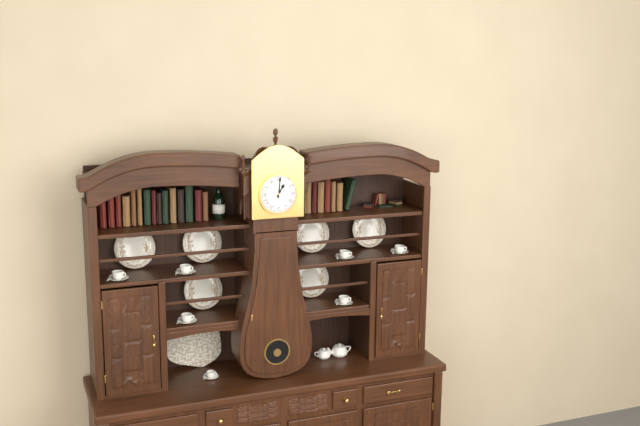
1:01
